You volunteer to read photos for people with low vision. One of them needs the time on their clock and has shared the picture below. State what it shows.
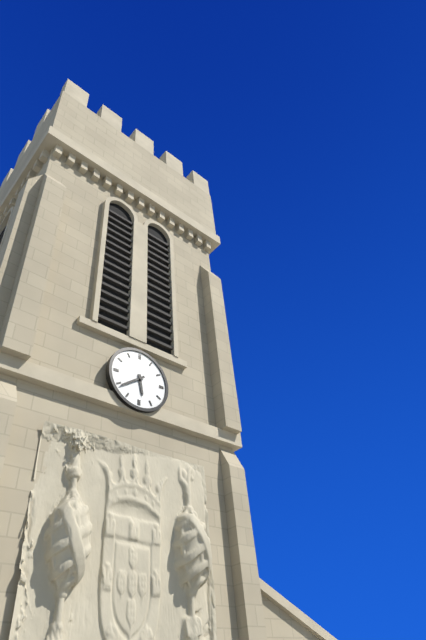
5:39
